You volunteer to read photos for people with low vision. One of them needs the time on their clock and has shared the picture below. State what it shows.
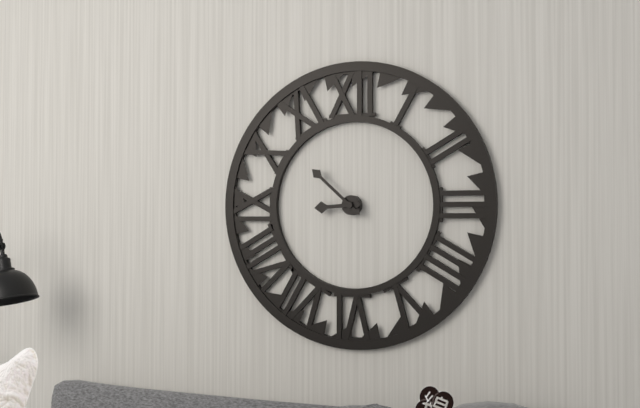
8:52
